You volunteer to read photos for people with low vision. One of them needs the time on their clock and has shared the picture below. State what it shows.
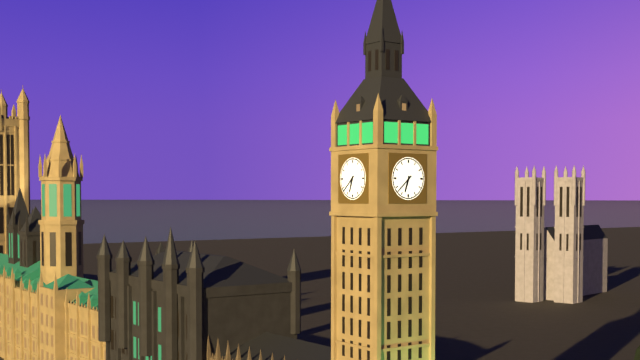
6:38
